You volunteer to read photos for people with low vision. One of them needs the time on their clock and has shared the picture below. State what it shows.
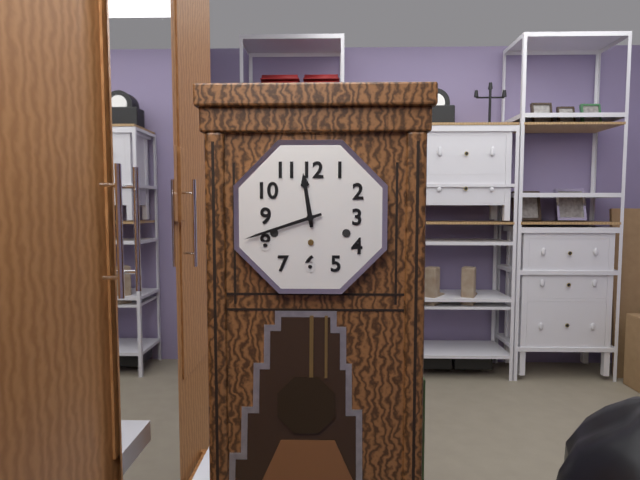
11:42
